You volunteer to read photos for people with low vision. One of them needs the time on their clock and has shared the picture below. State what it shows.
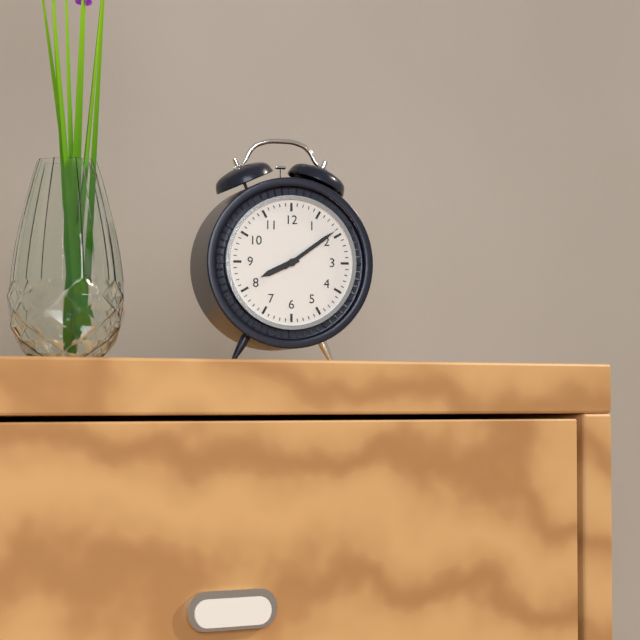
8:09
